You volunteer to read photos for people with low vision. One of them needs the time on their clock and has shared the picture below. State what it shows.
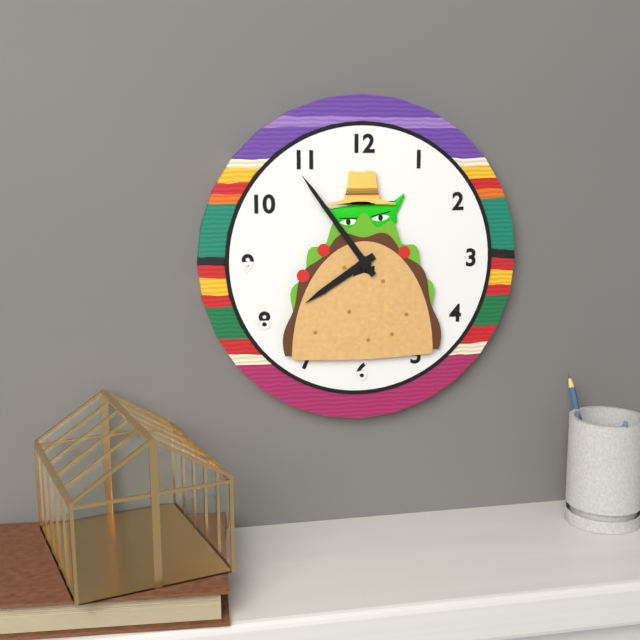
7:54
